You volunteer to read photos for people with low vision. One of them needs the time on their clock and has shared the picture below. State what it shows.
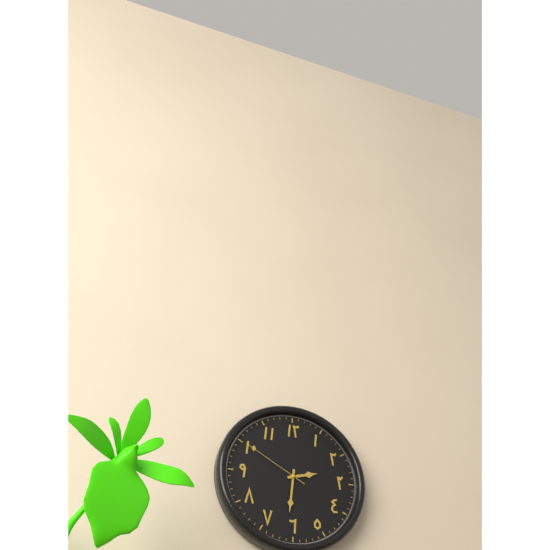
2:31:50
